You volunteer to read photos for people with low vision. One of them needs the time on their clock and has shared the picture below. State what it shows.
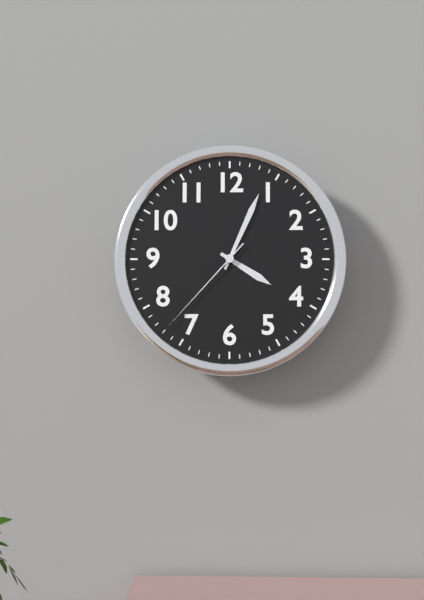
4:04:37
